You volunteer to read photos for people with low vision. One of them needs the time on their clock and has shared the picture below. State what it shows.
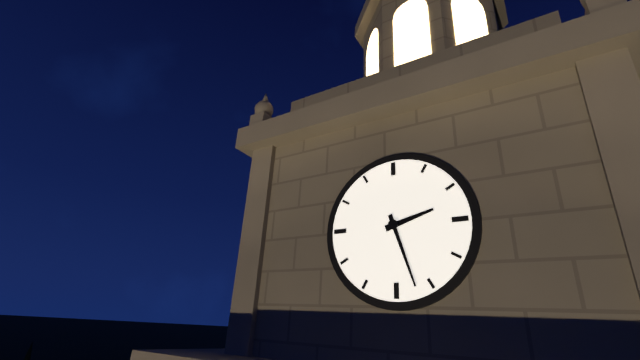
2:27
